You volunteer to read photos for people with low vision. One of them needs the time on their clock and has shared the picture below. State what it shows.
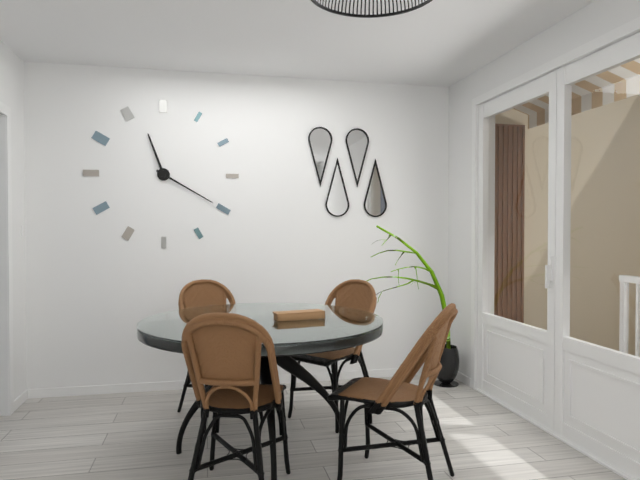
11:20
